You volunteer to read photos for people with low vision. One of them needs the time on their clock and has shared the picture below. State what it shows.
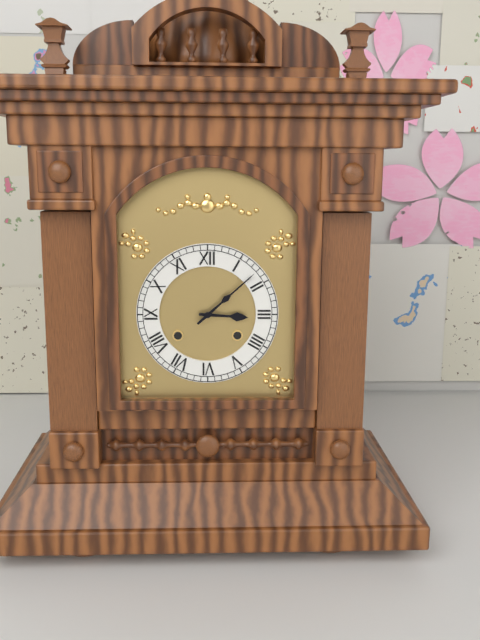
3:08
